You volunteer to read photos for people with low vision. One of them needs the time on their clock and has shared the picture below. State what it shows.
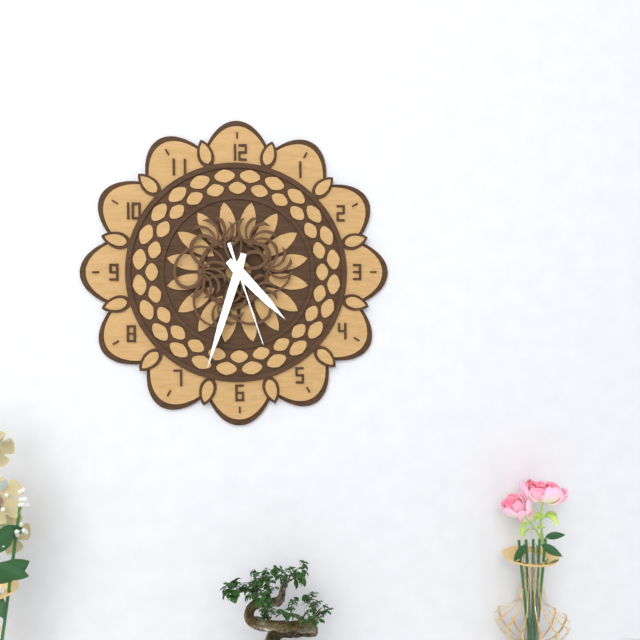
4:33:27
